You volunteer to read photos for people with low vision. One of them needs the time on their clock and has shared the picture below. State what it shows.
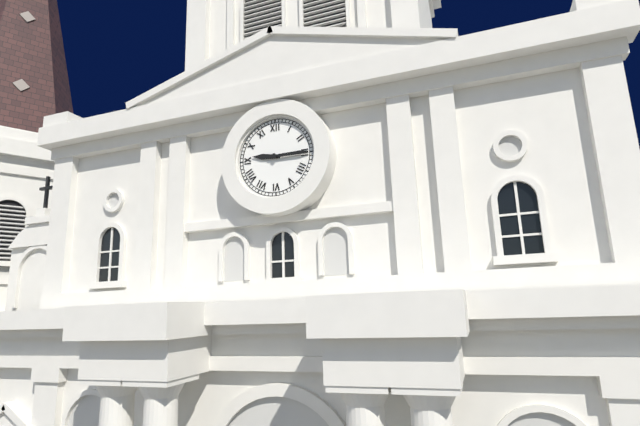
9:15
